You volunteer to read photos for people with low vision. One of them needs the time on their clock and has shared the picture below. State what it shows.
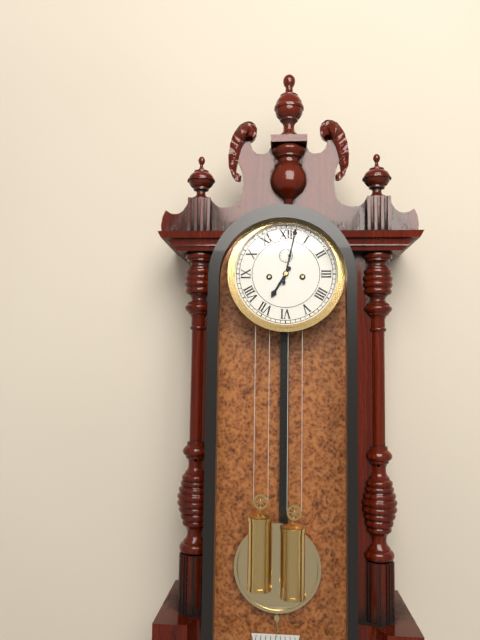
7:02
